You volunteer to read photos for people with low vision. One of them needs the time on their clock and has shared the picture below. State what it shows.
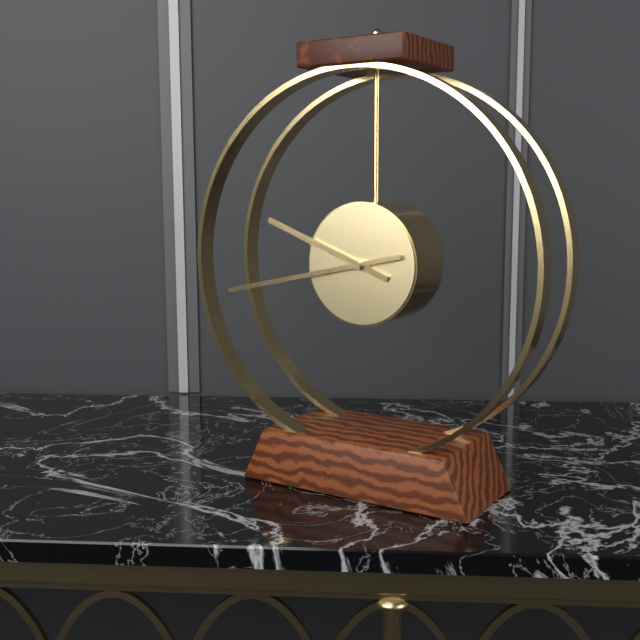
9:43
